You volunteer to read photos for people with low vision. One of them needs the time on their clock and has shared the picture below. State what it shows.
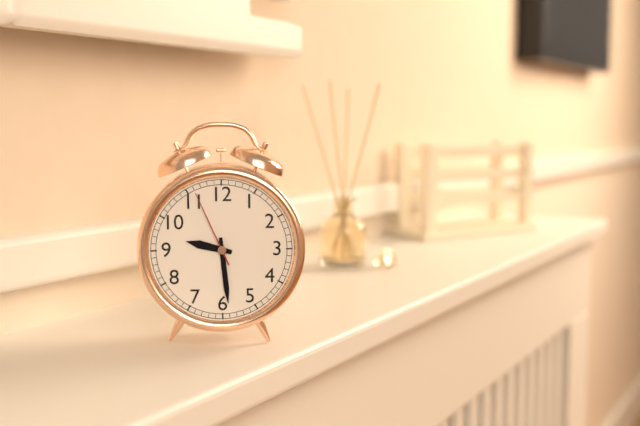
9:29:56
